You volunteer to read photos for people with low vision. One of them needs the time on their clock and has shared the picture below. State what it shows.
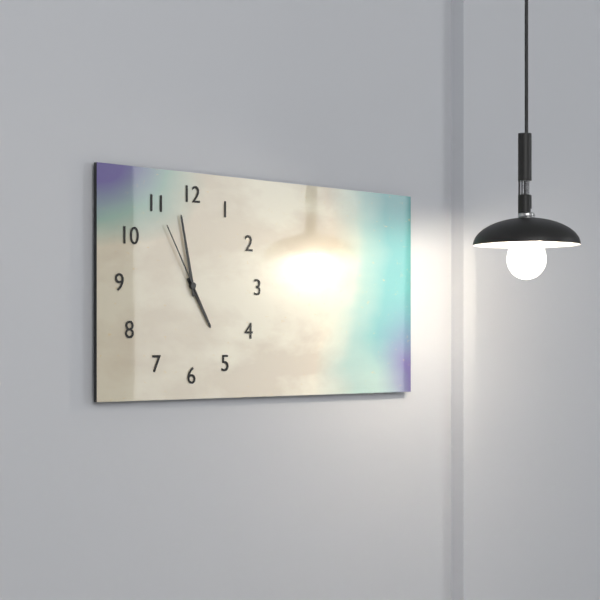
4:58:55
